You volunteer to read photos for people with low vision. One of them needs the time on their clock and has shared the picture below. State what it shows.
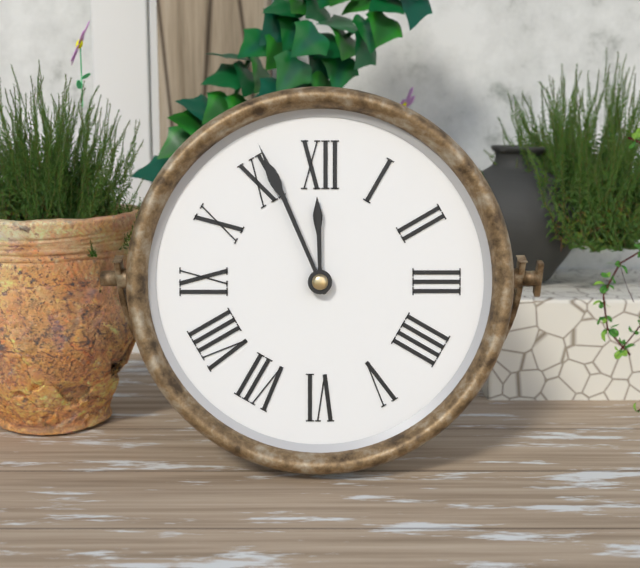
11:56
